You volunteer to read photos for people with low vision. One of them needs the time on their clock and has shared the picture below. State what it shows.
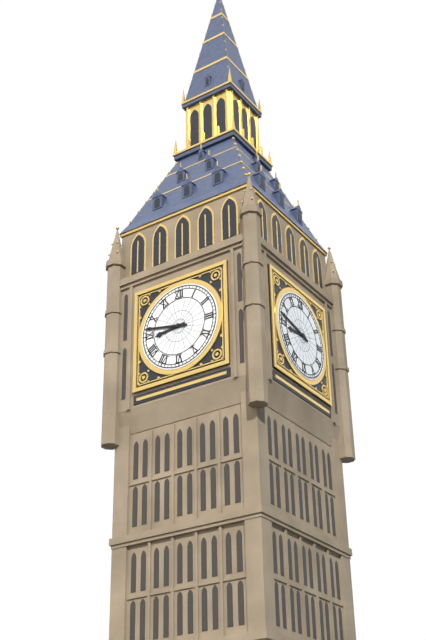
8:47
